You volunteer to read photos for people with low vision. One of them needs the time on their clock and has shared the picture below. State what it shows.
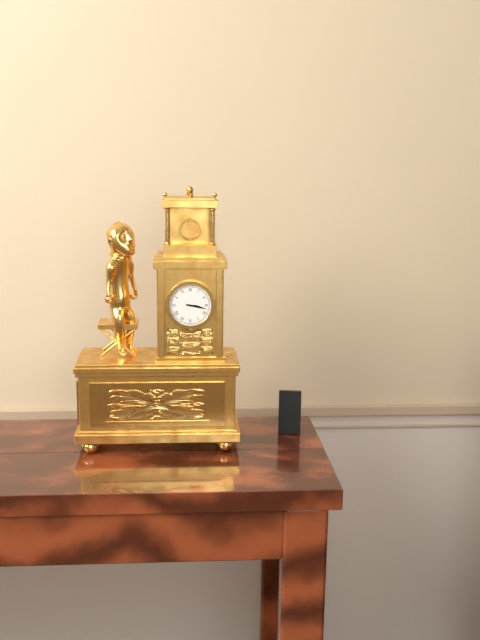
3:17
